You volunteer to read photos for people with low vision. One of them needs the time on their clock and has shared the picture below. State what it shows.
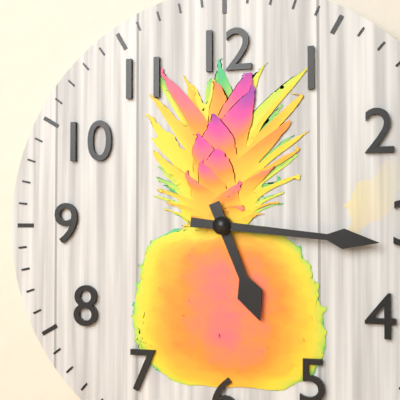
5:16
